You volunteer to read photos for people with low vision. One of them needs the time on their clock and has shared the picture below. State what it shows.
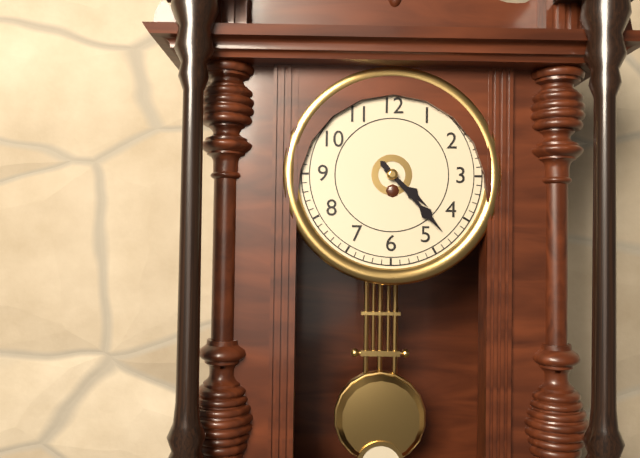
4:23
